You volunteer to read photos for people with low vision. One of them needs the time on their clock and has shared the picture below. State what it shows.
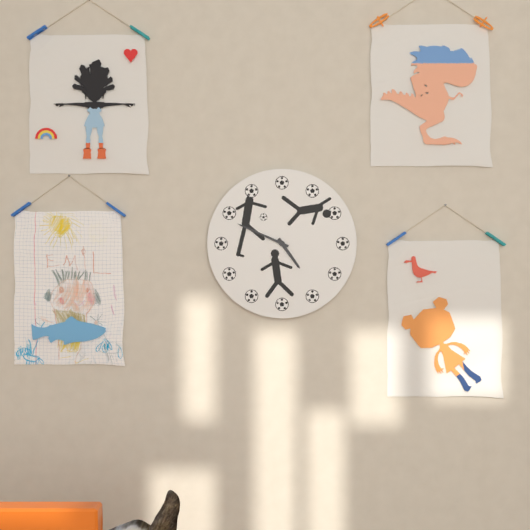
4:49
